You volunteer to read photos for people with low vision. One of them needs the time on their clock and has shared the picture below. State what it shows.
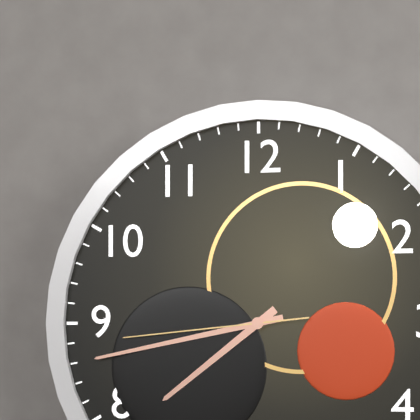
7:43:44
